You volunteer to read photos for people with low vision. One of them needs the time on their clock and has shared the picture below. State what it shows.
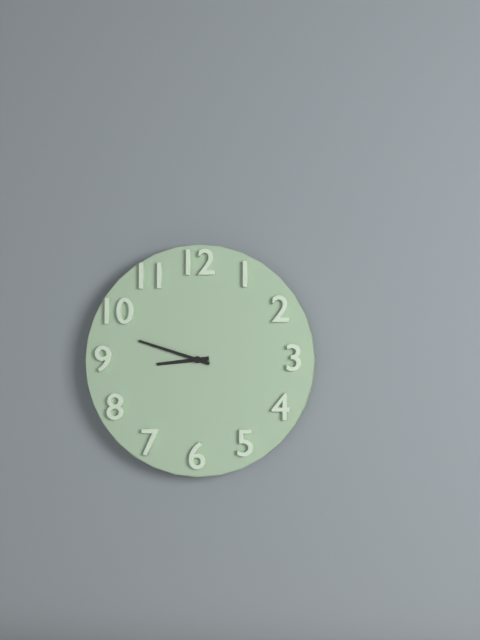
8:48
